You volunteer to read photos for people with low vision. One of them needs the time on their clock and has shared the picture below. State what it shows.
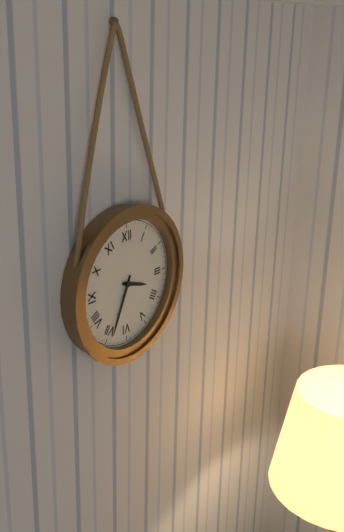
3:34
